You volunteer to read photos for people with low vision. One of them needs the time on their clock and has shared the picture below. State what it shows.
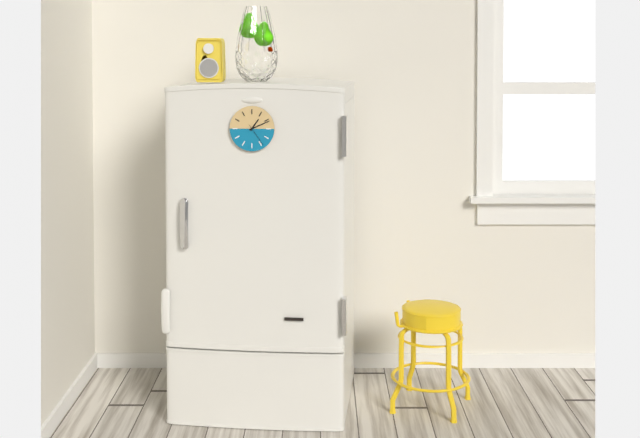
1:11
